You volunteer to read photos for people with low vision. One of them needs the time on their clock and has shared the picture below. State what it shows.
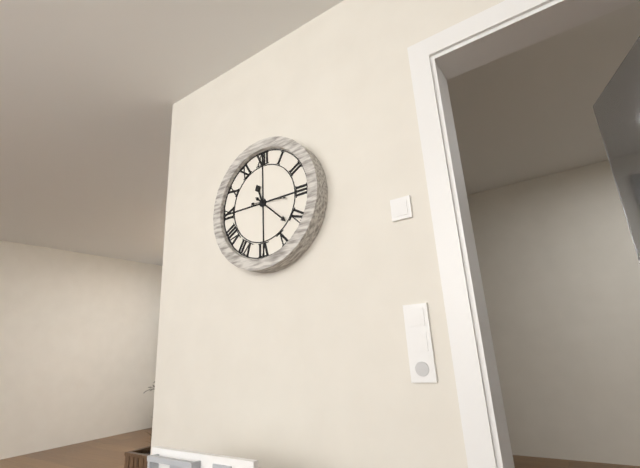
11:22
